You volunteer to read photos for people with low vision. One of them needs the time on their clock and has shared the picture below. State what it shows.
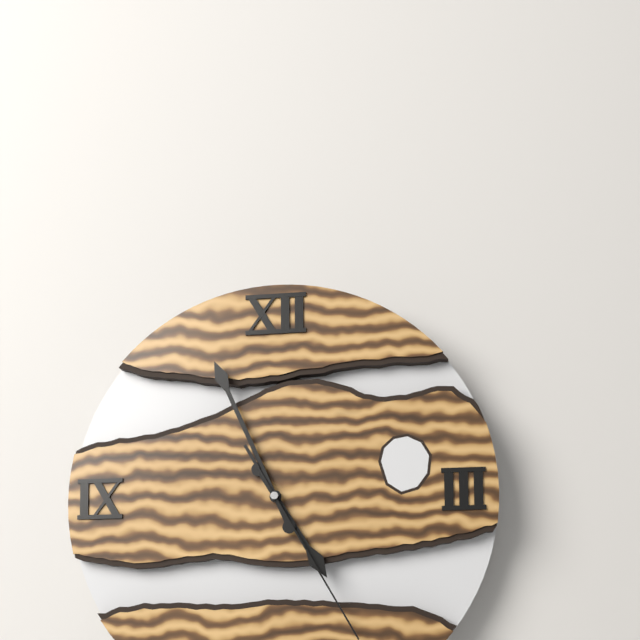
4:56:25
